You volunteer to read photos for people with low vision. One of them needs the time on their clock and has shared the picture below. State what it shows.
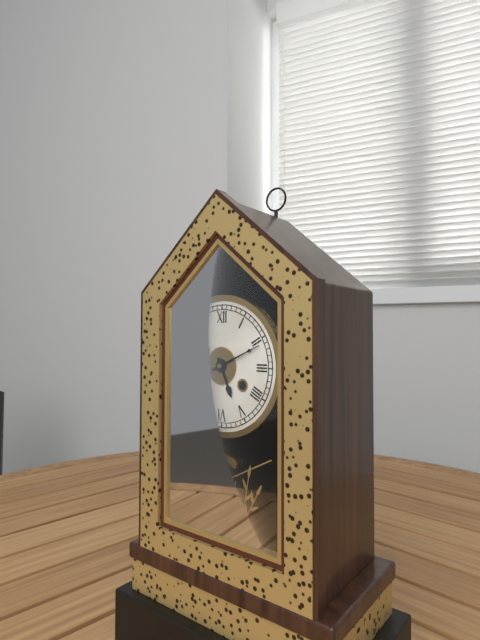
5:11
